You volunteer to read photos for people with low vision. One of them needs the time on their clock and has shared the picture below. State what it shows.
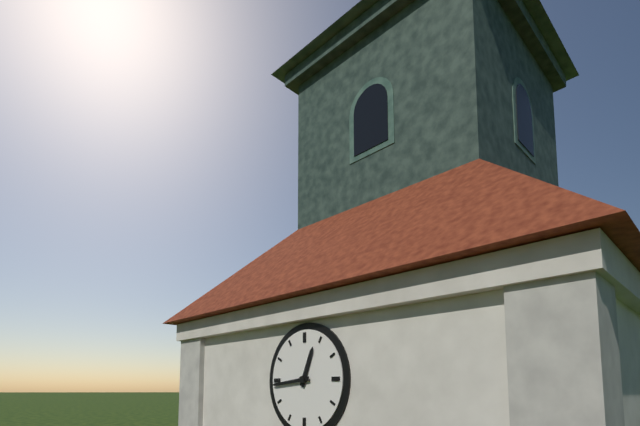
12:44
